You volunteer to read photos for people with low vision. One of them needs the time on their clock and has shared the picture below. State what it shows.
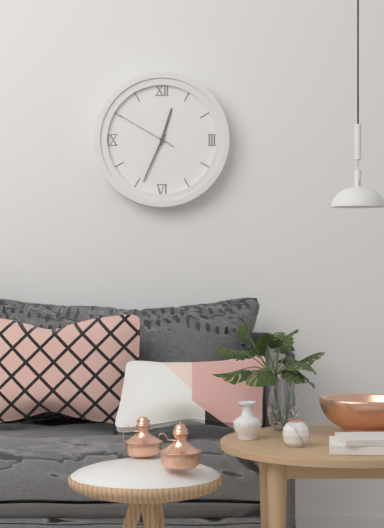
12:34:50
